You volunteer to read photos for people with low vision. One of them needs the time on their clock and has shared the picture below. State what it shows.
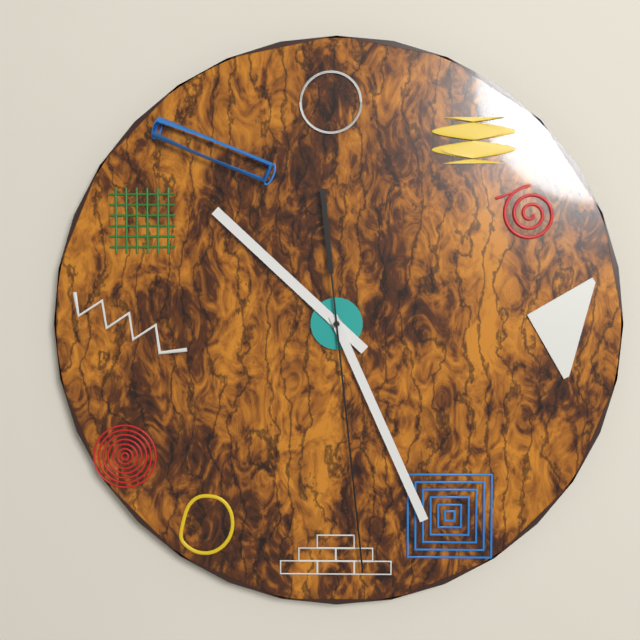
10:26:29
